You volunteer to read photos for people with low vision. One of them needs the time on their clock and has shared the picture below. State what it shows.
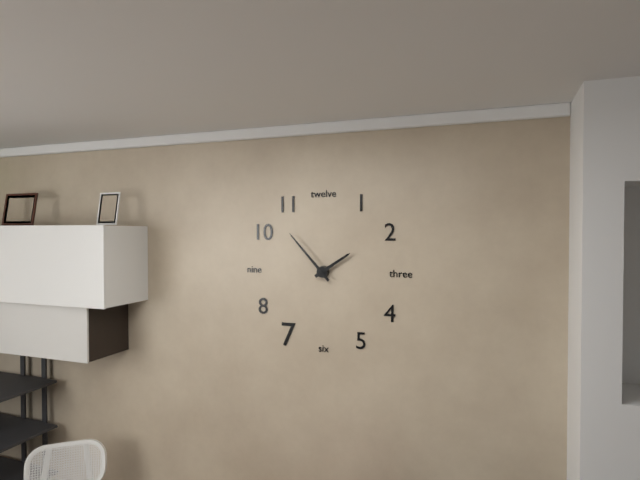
1:53
